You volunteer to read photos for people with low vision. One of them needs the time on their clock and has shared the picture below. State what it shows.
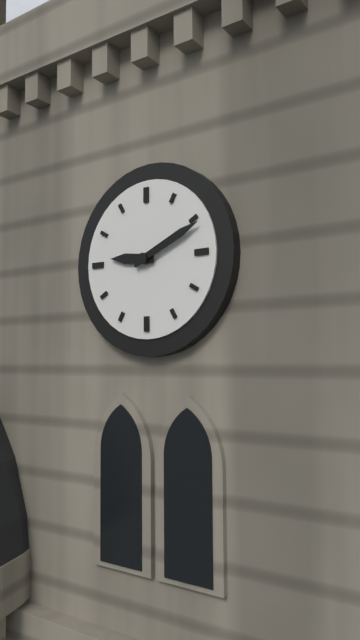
9:11
